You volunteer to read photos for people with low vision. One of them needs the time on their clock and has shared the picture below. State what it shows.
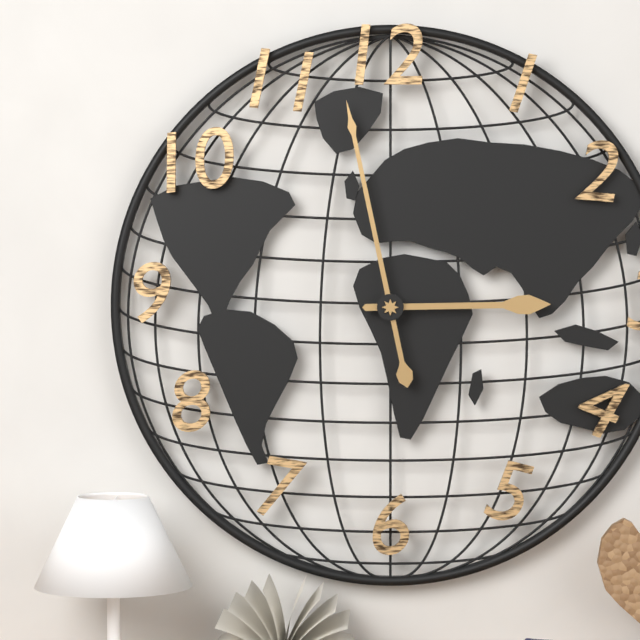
2:58
